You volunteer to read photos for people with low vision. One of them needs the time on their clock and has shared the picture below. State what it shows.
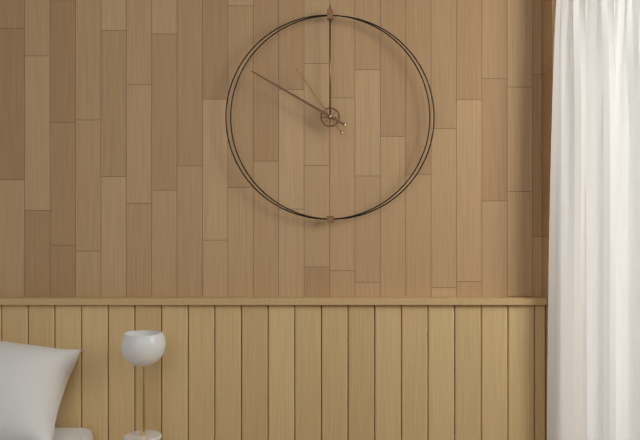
10:50
